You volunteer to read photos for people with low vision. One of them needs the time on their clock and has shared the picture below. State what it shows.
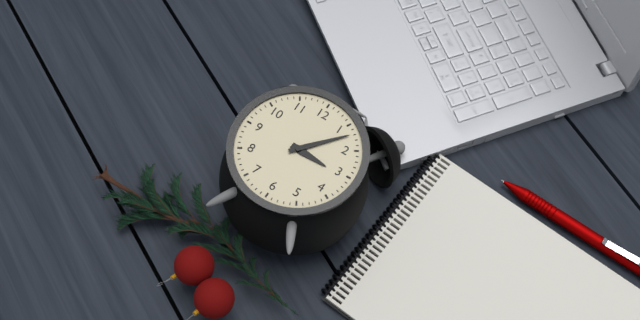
3:07
